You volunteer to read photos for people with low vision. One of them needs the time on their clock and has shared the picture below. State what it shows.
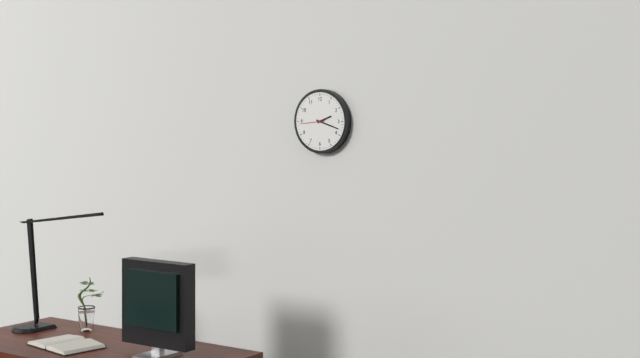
2:18
